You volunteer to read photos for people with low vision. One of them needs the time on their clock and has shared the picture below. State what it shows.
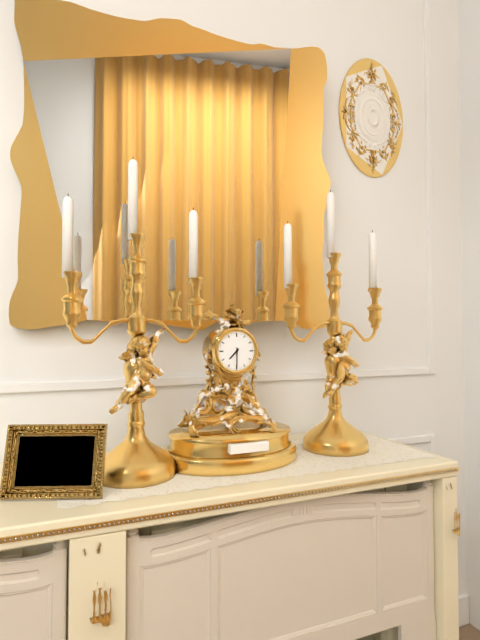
7:30
